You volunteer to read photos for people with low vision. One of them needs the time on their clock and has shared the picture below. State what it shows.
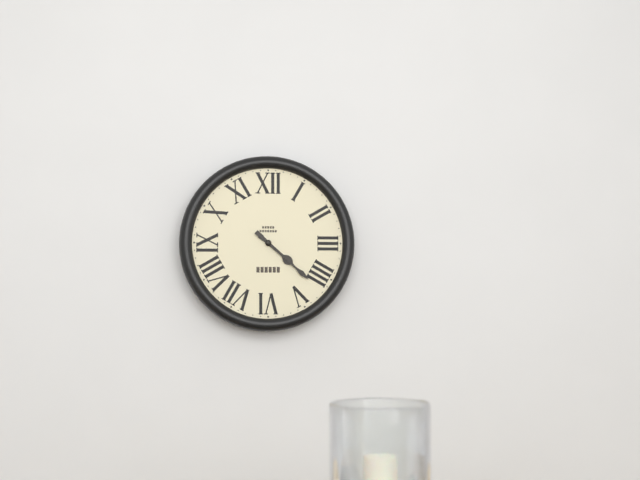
4:22
